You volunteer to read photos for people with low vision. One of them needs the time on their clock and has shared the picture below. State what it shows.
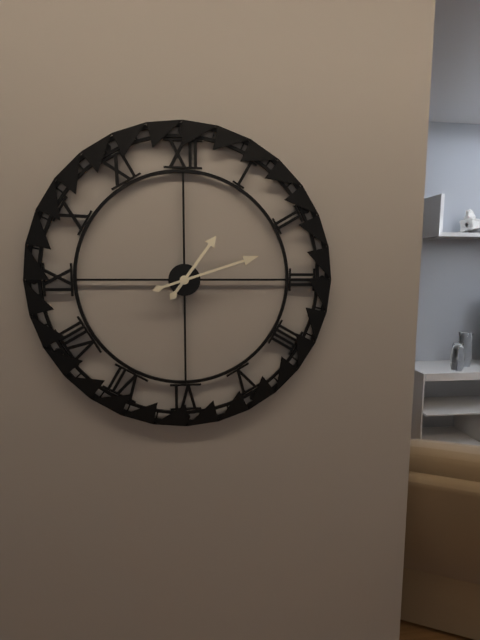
1:12
